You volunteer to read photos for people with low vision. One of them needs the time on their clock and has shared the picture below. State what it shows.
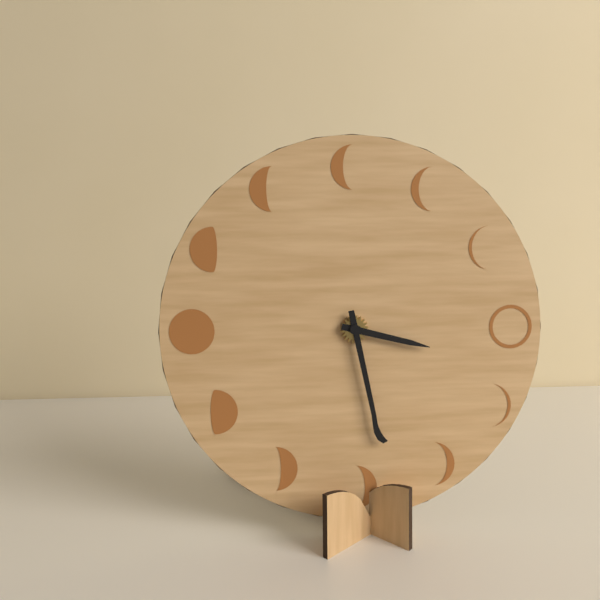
3:28
